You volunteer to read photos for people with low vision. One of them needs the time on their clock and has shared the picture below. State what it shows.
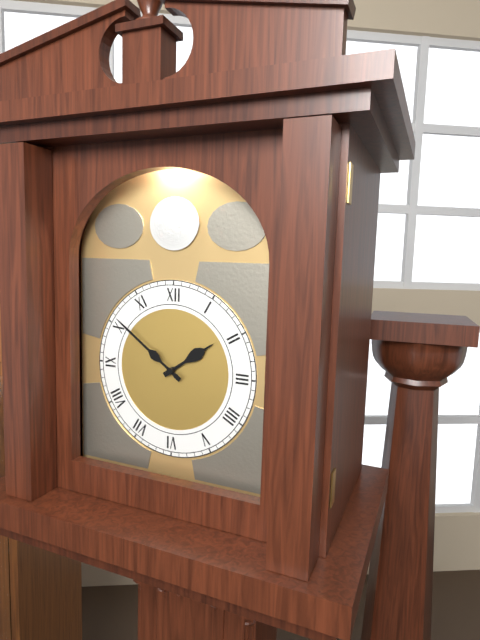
1:51
